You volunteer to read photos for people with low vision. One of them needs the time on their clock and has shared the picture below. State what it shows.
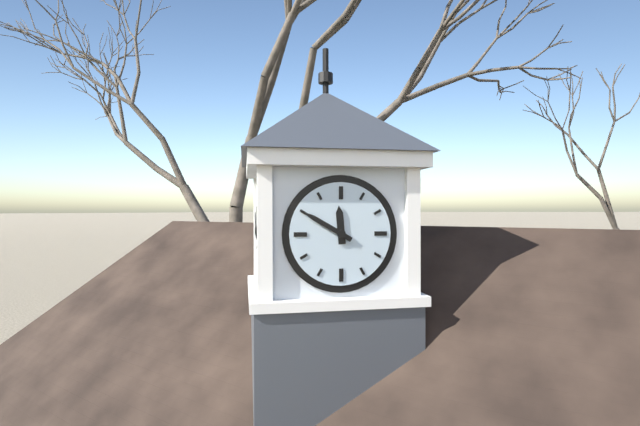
11:50
